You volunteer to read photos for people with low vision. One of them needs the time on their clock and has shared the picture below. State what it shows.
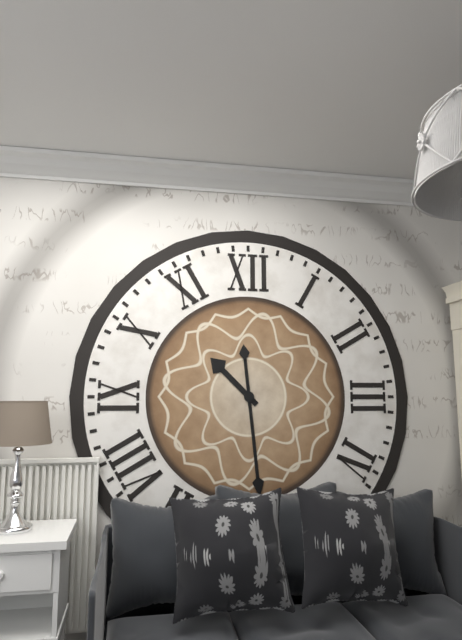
10:29
